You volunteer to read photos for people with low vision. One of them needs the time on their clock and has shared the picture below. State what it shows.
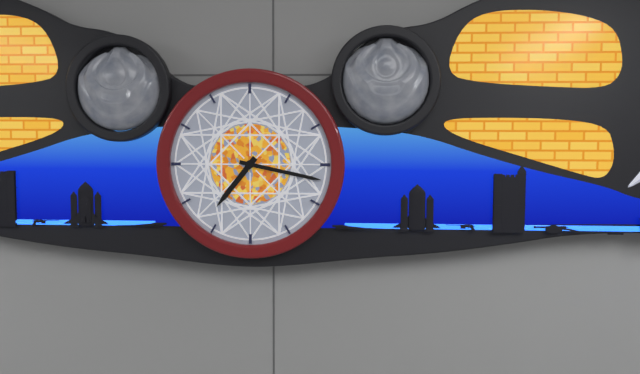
7:17
